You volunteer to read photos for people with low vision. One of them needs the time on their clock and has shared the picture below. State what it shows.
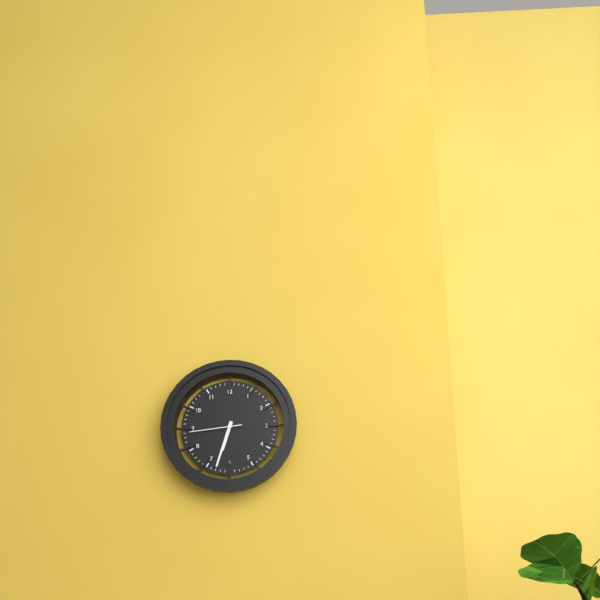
6:33:44
